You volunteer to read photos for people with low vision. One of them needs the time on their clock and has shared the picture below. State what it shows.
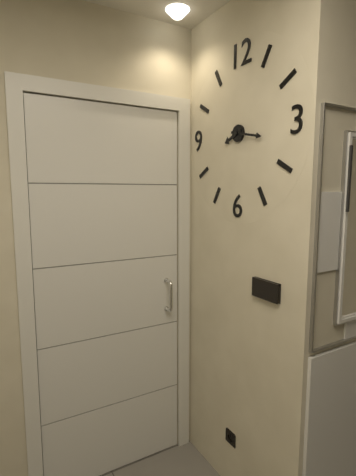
8:17
